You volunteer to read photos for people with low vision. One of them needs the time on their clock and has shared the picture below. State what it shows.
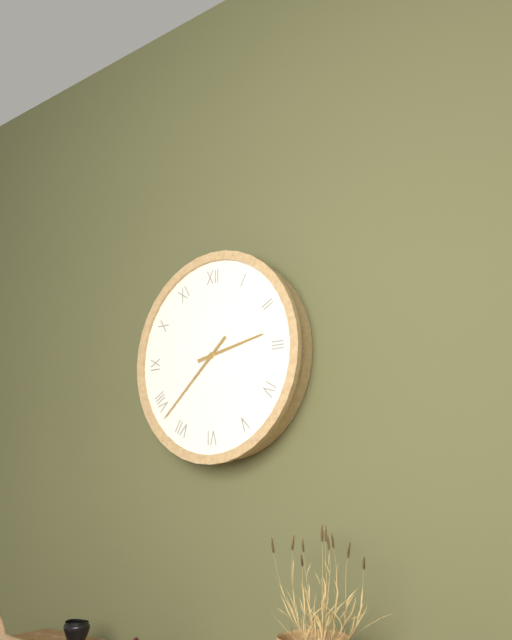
2:38
